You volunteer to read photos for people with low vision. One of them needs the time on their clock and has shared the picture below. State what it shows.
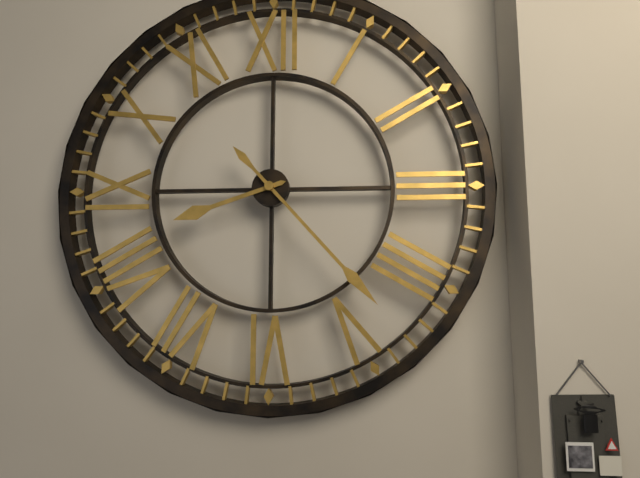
8:23
